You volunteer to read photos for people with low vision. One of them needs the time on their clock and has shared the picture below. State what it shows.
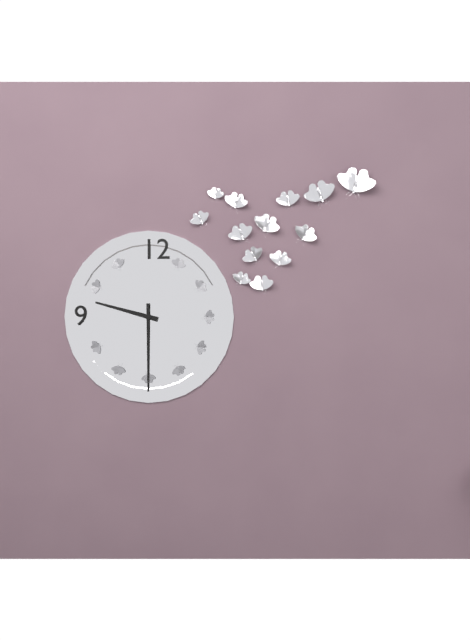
9:30
